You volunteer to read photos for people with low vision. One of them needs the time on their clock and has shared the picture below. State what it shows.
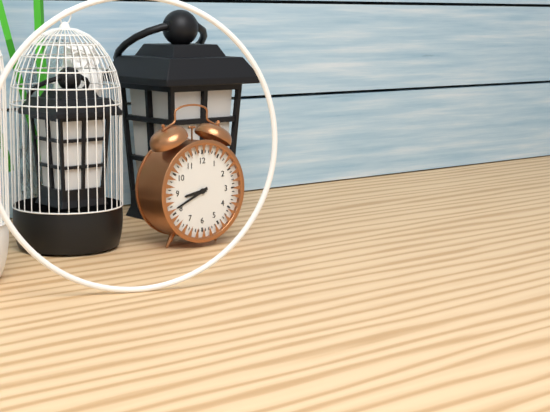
8:41
